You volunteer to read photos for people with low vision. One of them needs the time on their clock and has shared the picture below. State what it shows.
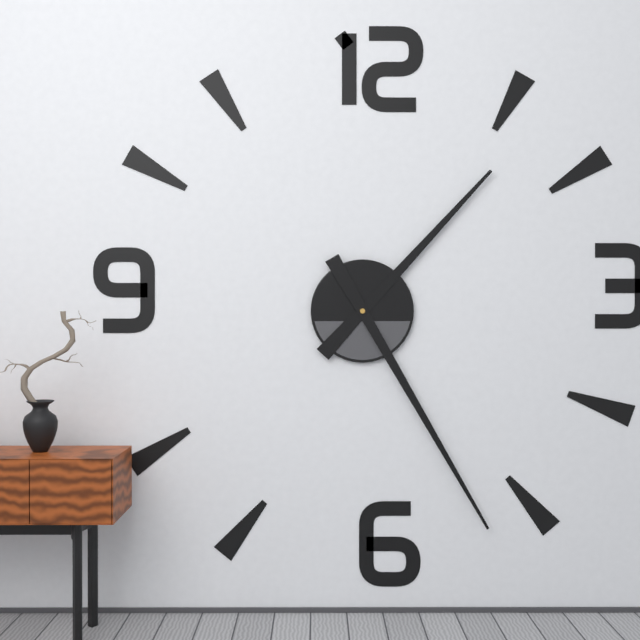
1:25
